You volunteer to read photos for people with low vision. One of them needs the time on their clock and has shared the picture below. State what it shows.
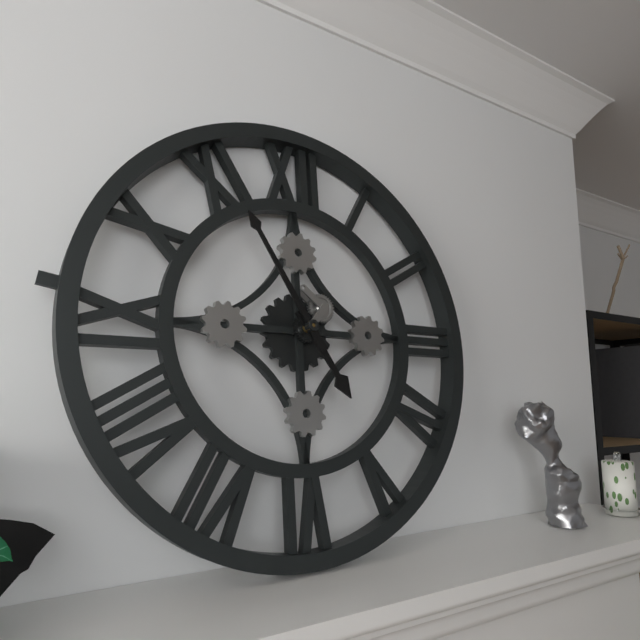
4:55
